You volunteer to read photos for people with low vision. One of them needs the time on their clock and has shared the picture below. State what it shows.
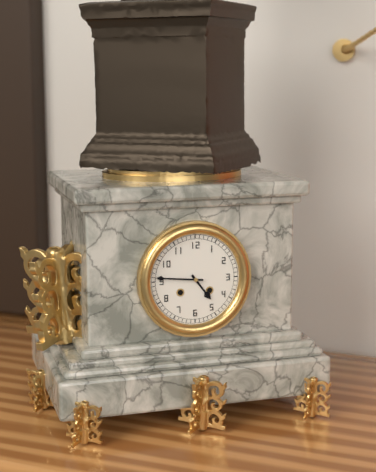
4:46
